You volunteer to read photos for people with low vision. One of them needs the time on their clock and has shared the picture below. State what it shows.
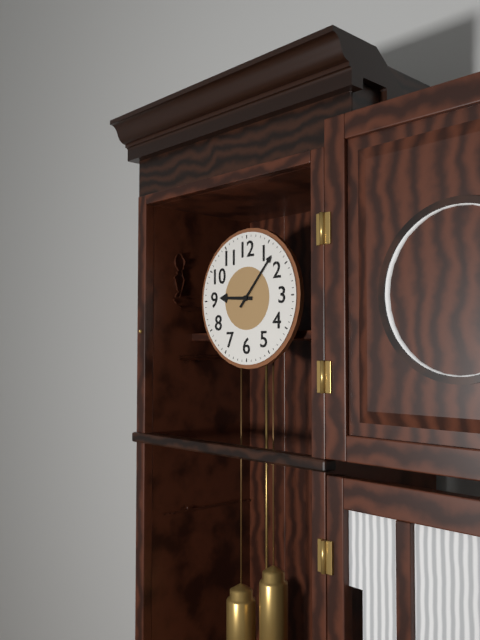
9:07
